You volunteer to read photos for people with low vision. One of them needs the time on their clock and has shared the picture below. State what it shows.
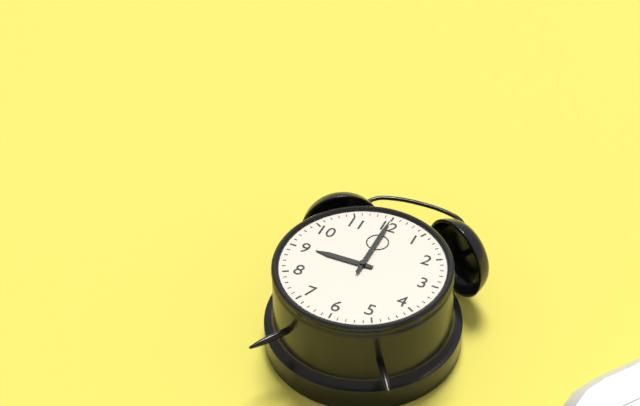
9:00
